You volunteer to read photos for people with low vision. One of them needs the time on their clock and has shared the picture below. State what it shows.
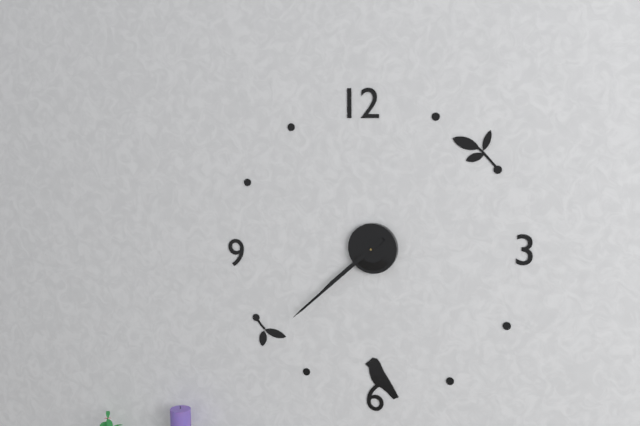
7:38
